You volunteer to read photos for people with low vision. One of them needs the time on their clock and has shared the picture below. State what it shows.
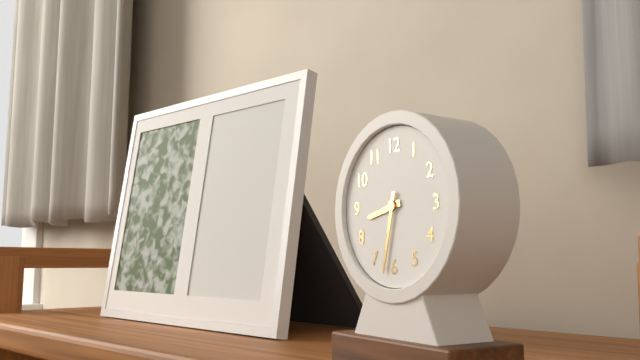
8:32
